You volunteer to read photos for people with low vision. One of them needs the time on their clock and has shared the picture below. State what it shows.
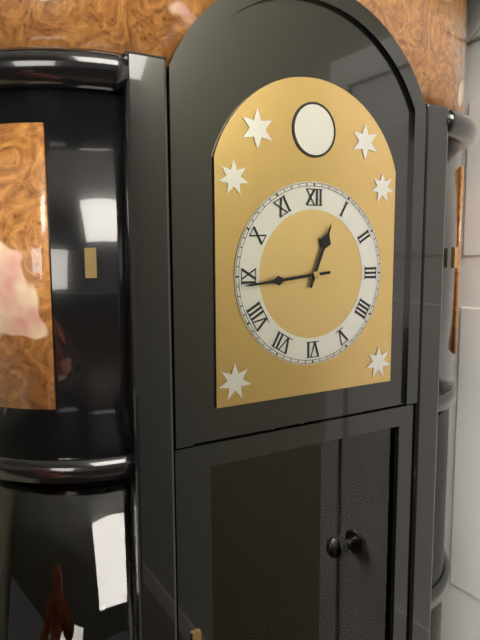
12:44
